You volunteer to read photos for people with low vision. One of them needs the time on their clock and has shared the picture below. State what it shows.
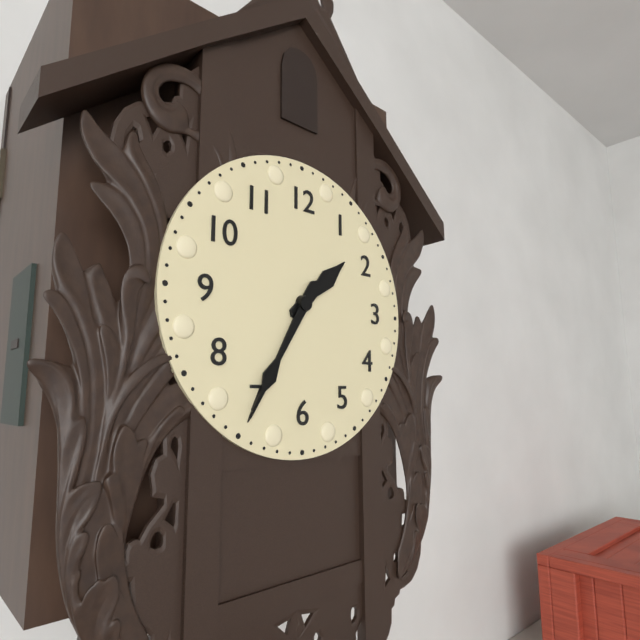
1:35
